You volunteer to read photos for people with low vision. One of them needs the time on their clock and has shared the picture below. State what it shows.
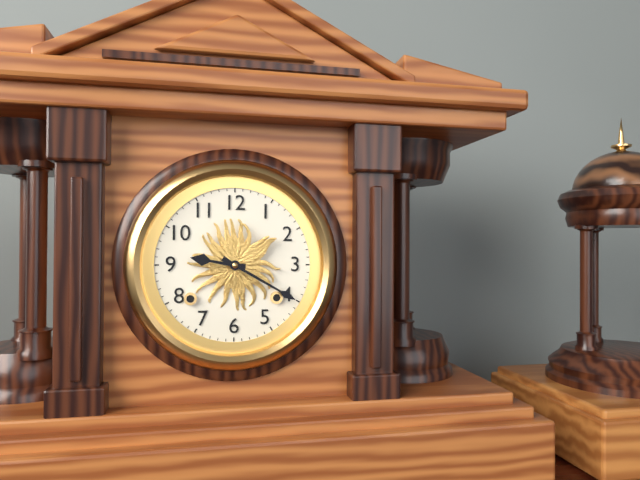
9:20
